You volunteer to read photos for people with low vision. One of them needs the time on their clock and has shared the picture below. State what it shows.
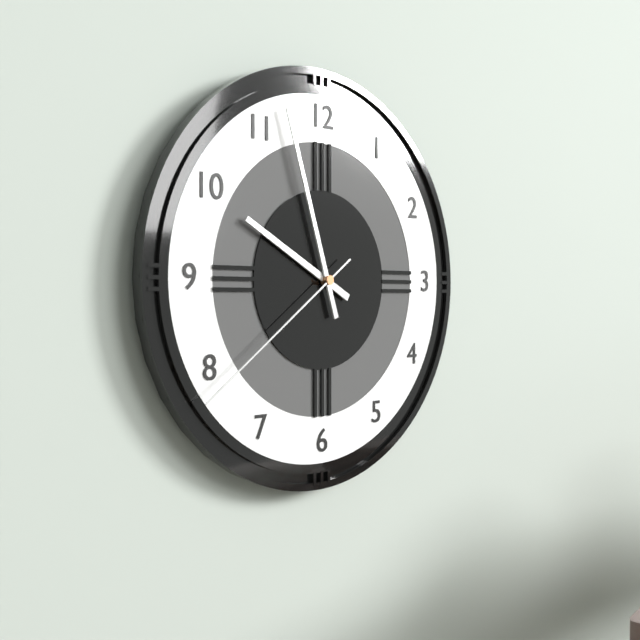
9:57:39
